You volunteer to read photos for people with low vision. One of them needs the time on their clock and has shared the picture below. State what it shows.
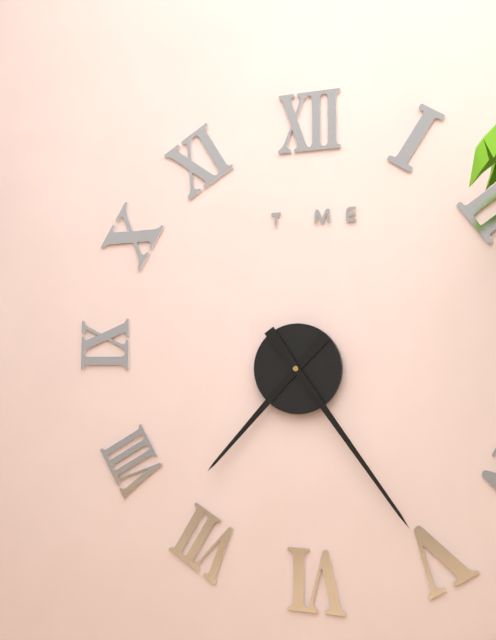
7:24
